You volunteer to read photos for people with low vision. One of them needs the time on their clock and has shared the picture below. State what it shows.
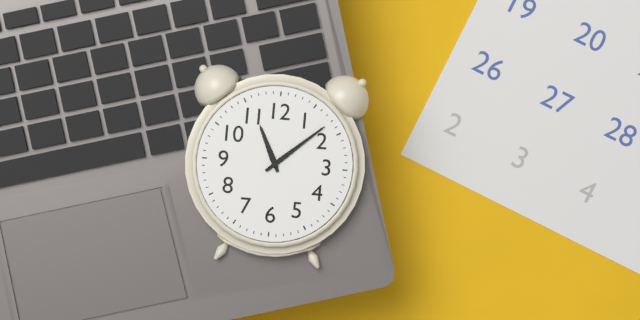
11:08
